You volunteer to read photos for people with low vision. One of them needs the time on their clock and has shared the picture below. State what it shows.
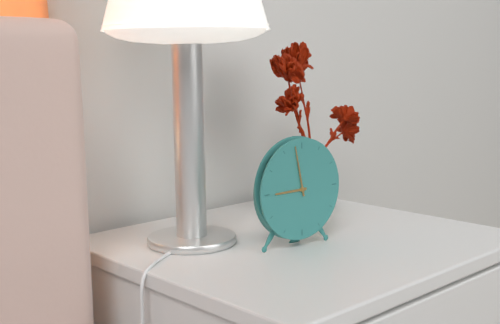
8:58
